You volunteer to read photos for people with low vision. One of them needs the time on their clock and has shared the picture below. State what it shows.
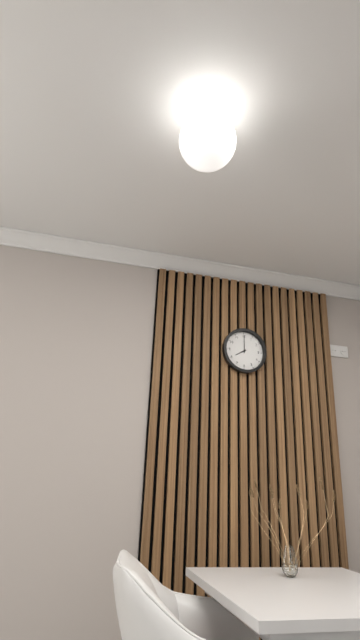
8:00
